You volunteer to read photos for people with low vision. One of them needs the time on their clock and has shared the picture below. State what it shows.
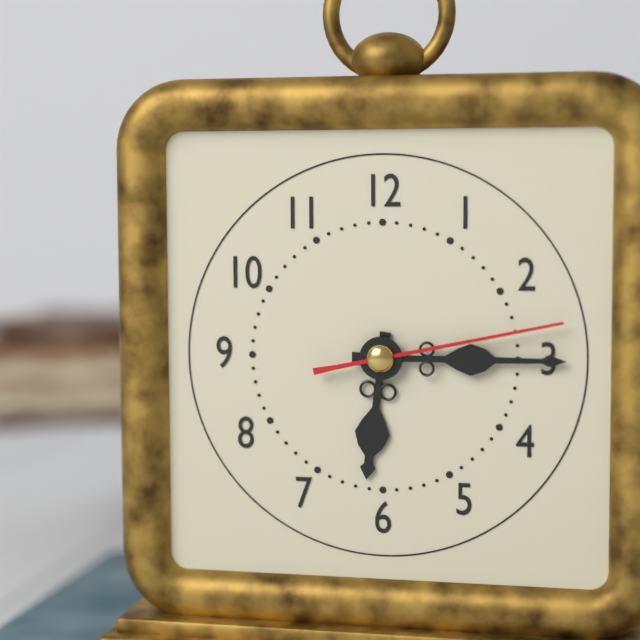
6:15:13
